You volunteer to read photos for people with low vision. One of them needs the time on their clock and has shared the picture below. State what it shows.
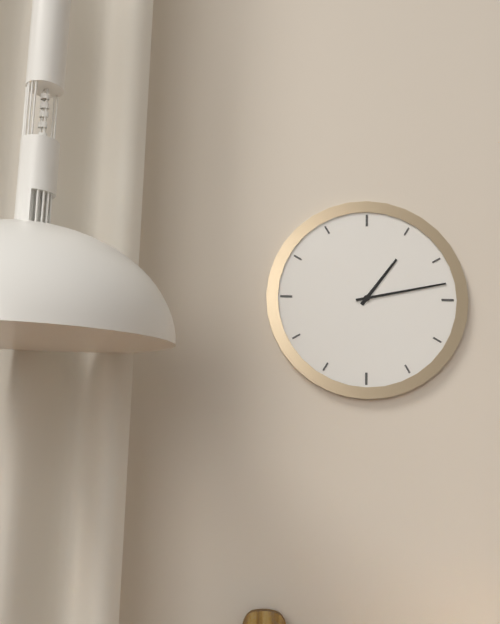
1:13
